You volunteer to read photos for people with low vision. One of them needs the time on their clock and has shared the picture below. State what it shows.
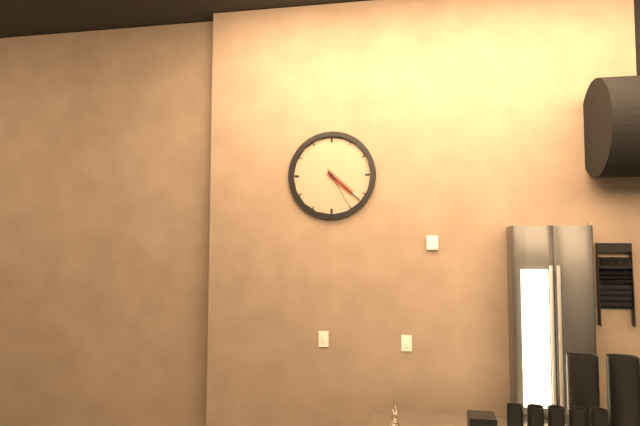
4:22
